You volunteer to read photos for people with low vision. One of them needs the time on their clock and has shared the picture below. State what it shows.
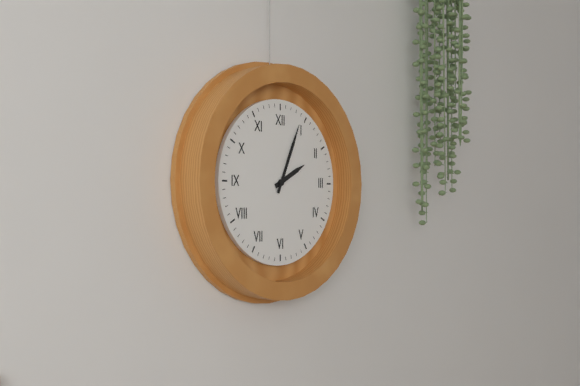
2:04
